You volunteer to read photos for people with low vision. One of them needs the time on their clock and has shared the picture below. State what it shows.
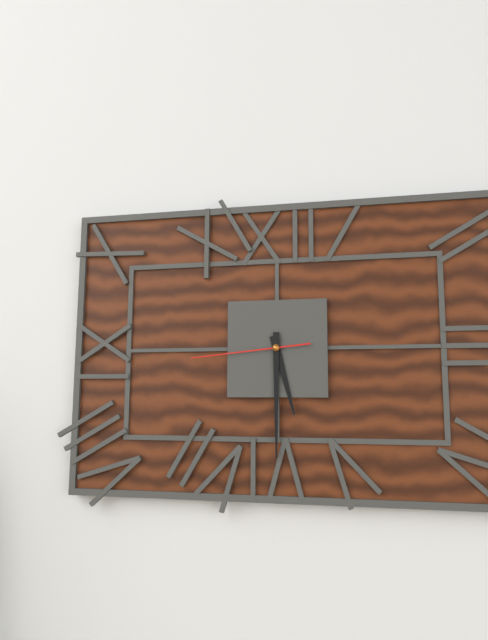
5:30:44
